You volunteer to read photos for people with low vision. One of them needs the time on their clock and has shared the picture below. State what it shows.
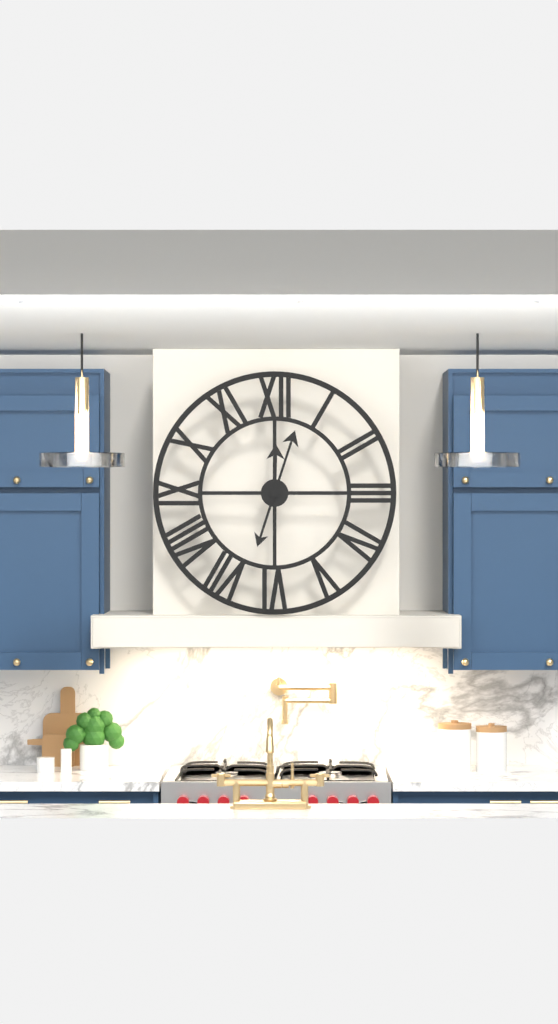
12:03
